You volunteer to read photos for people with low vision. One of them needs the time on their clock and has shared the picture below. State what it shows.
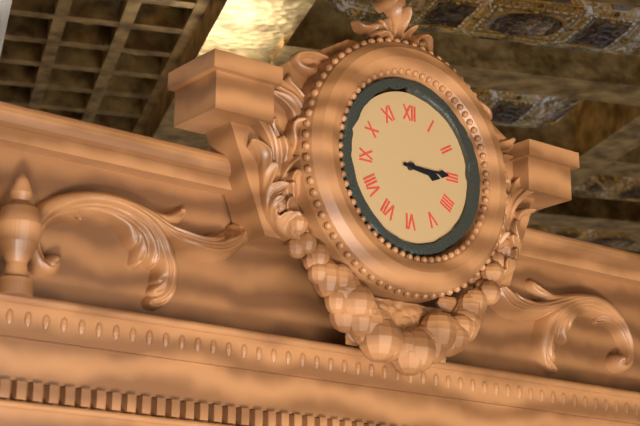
3:15
